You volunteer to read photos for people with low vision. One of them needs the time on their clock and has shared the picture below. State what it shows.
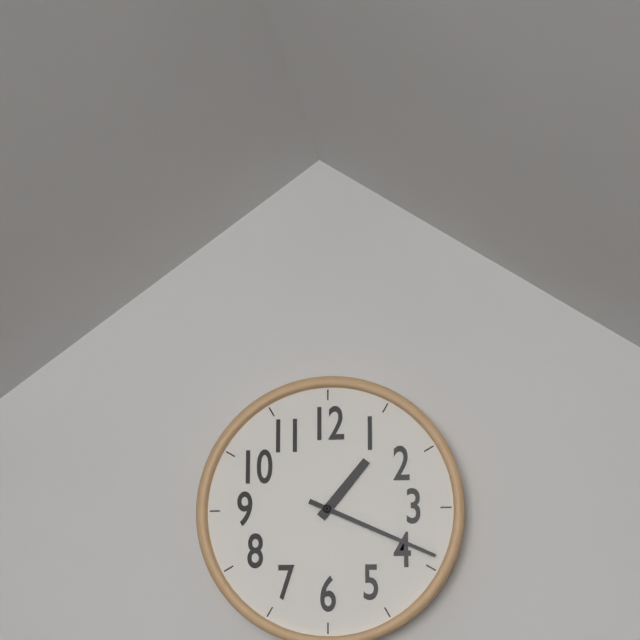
1:19
